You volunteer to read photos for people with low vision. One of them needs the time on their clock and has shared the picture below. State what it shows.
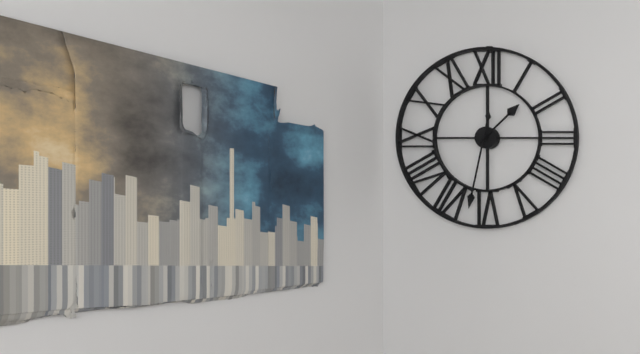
1:32
